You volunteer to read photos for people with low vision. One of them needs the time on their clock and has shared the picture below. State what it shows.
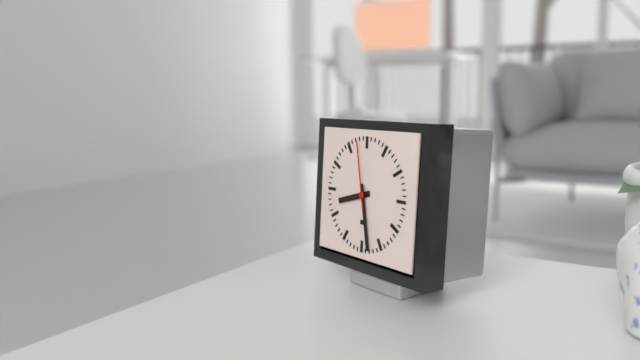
8:28:58
